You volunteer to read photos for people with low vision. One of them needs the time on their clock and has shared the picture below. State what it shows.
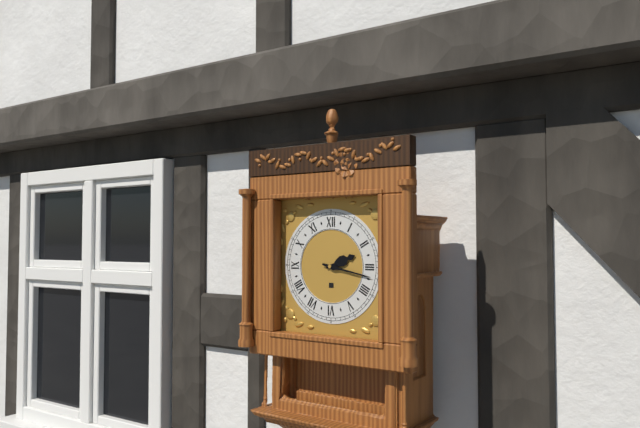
2:17
